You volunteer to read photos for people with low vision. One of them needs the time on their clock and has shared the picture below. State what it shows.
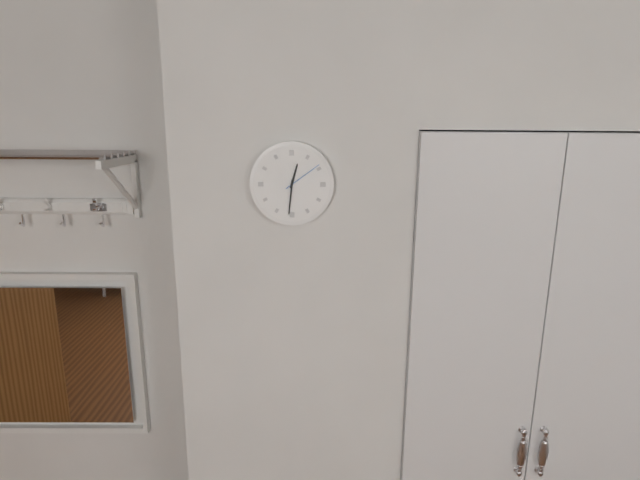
12:31
